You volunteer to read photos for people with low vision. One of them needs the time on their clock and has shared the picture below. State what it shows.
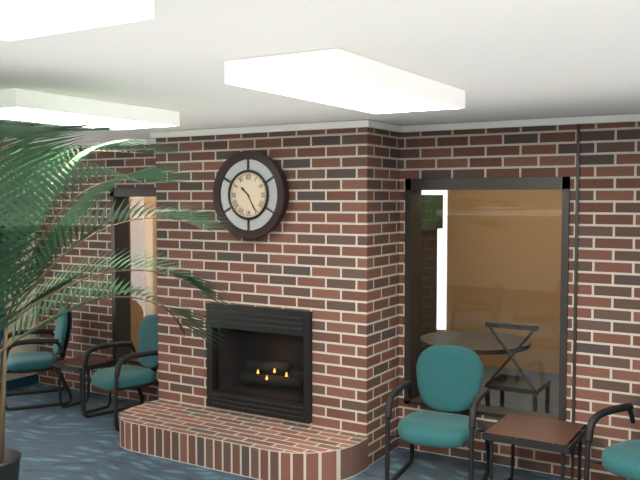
10:25
